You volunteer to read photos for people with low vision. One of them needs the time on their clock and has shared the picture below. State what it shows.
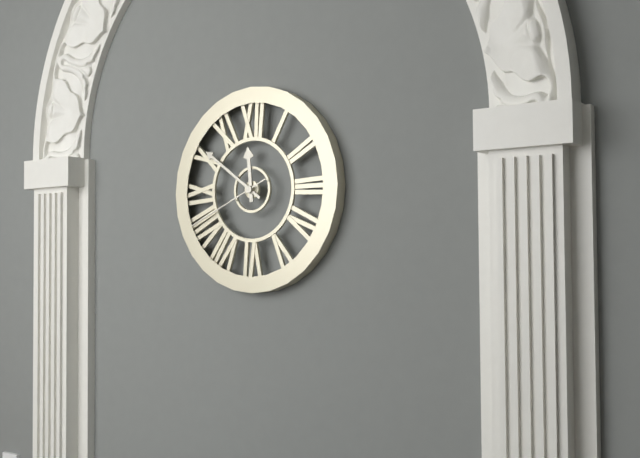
11:51:41
